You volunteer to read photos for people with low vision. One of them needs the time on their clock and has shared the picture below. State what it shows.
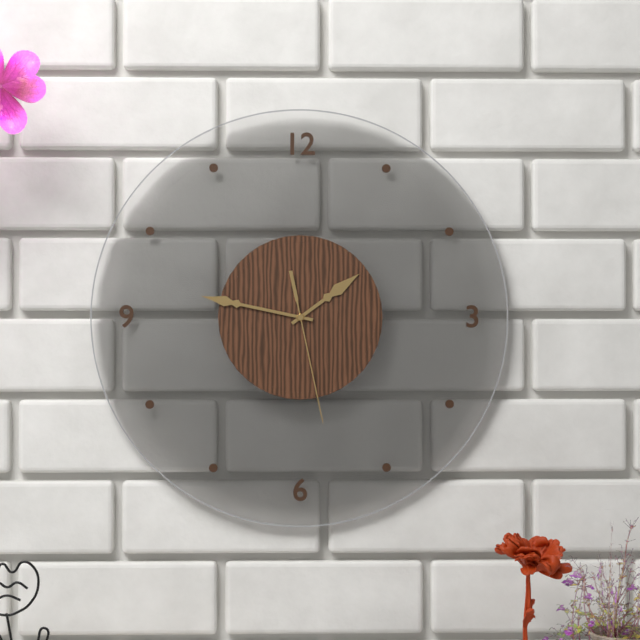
1:47:28
